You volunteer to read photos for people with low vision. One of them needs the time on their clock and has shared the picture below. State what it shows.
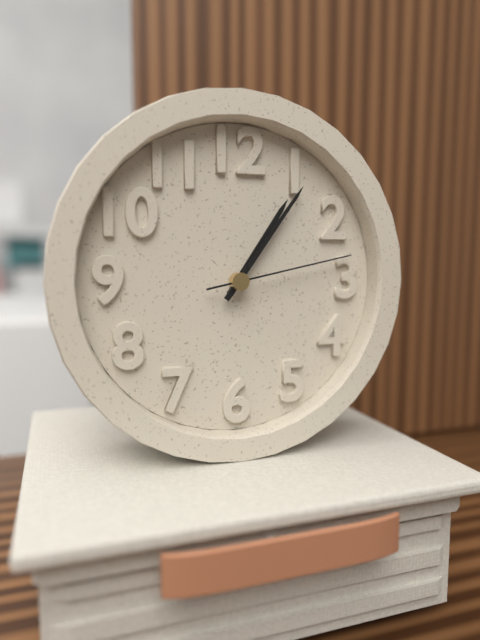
1:06:13
